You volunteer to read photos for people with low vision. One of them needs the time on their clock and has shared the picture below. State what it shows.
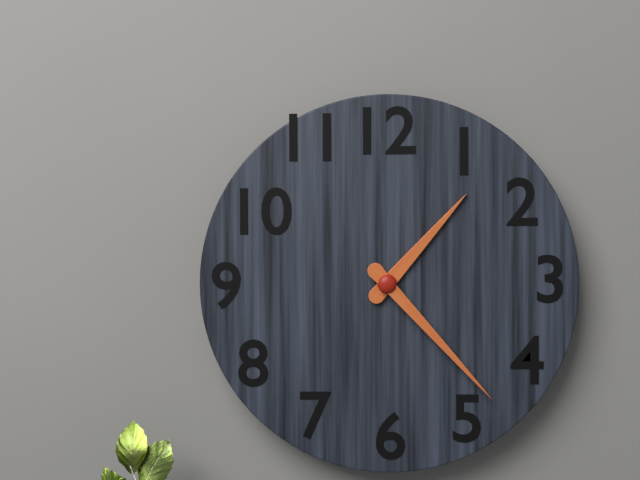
1:23
